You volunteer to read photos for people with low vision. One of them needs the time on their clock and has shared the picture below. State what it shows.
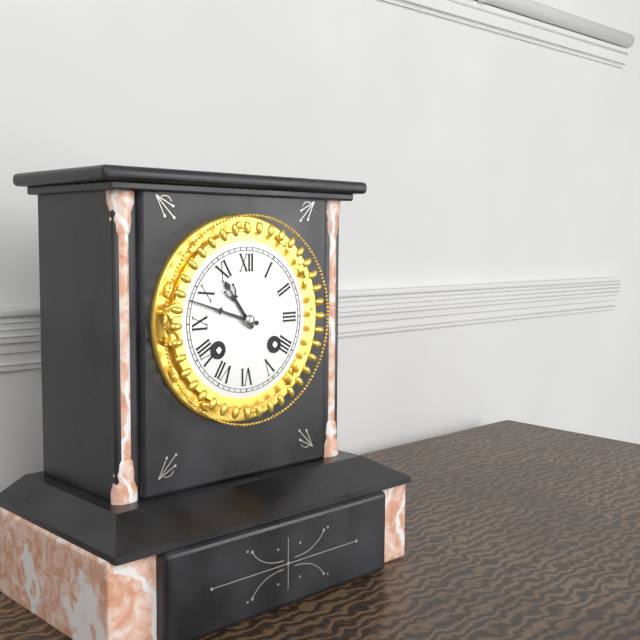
10:48
